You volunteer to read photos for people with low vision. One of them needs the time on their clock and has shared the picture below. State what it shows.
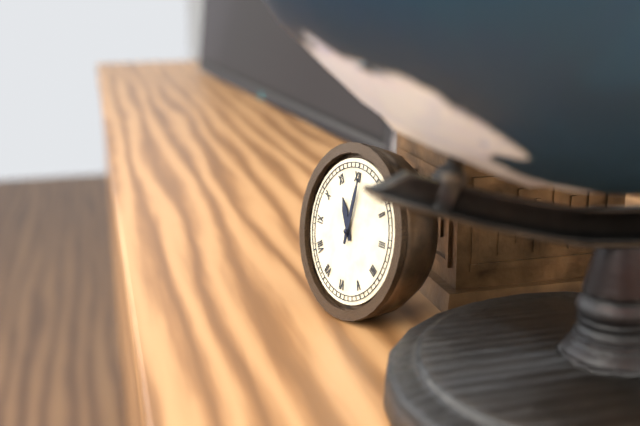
11:01
